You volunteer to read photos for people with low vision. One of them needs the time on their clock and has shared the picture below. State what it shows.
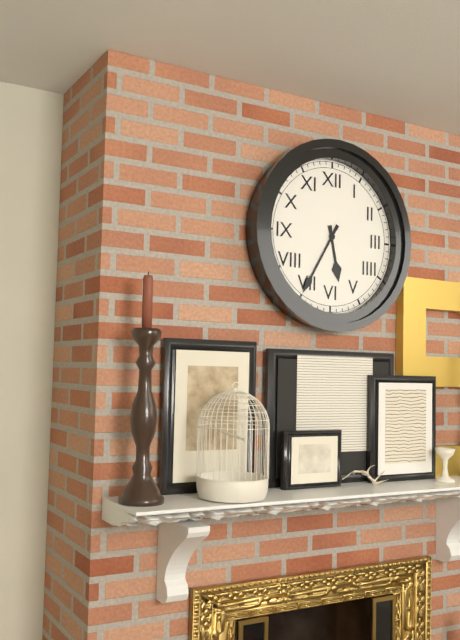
5:35
